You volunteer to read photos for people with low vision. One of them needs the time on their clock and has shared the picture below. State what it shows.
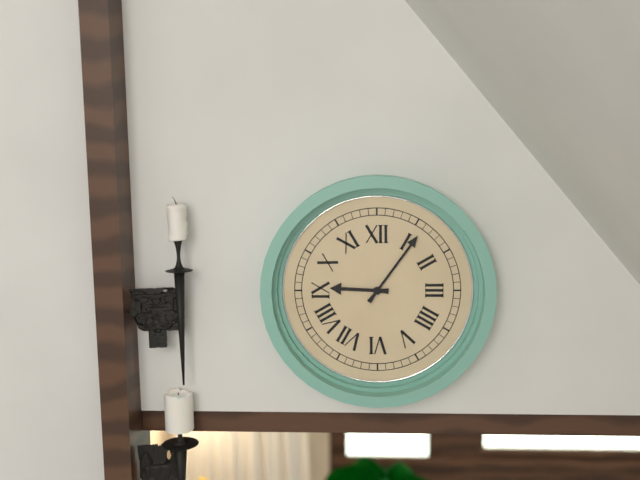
9:06
